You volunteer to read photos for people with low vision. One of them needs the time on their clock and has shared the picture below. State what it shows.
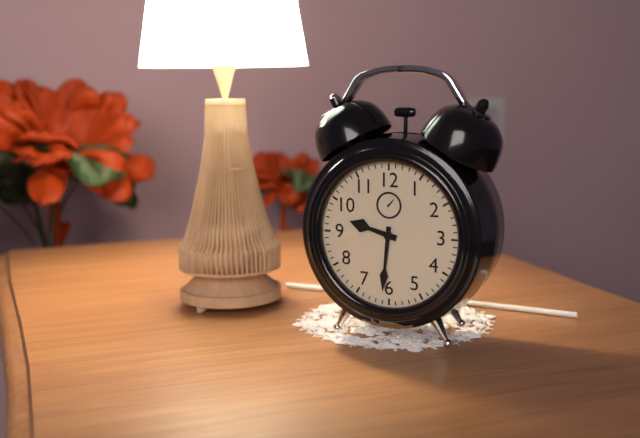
9:31
